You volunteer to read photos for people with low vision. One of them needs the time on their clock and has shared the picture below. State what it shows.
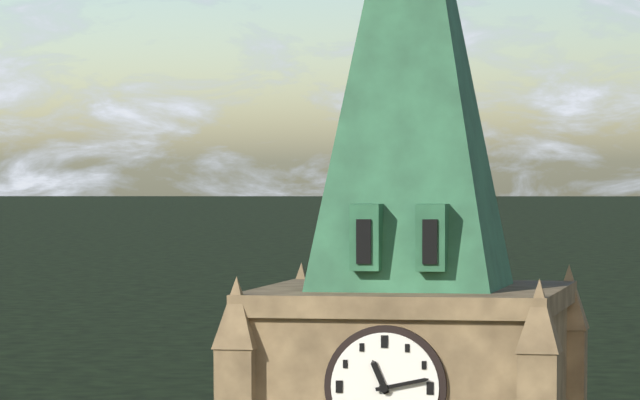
11:13
